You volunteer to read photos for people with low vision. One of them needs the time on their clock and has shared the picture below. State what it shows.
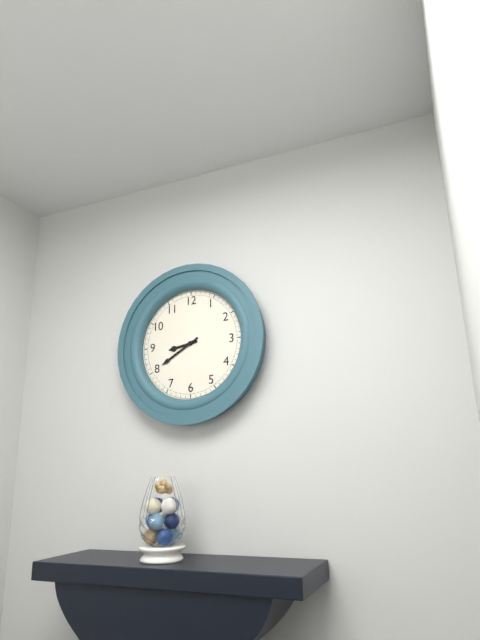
8:40
